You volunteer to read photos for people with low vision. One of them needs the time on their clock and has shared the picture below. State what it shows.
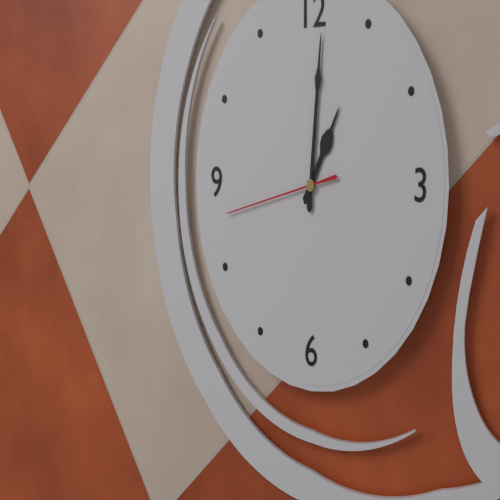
1:01:43
